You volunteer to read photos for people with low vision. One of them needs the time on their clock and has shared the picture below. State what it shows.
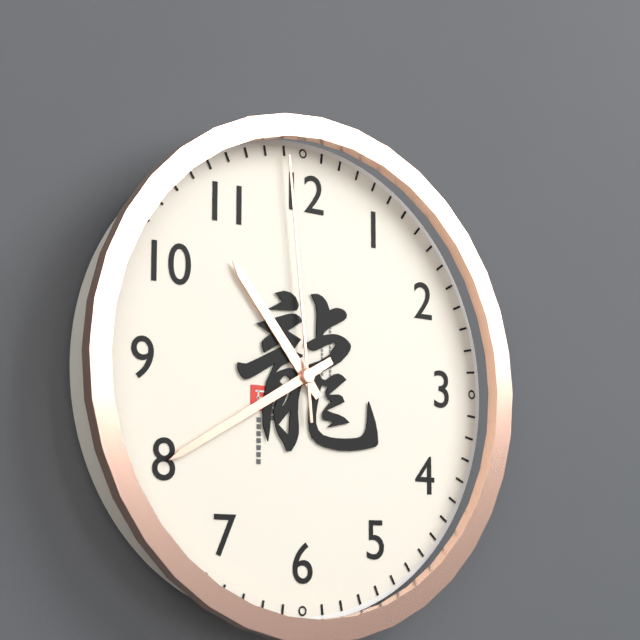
10:40:59
